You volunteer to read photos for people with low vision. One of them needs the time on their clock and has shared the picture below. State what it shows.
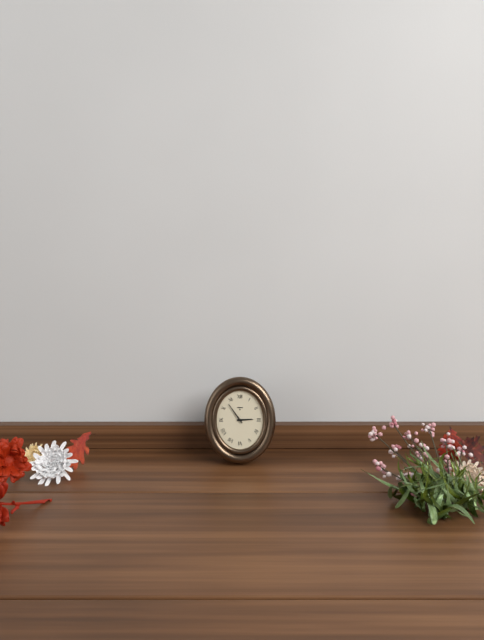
2:54
